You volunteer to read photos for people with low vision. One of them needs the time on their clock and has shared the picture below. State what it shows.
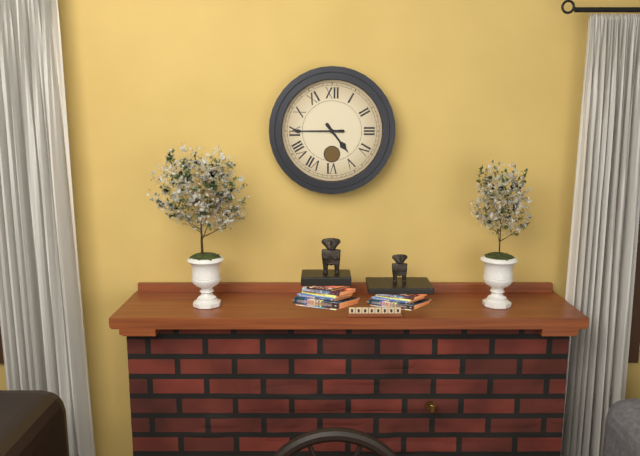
4:45
